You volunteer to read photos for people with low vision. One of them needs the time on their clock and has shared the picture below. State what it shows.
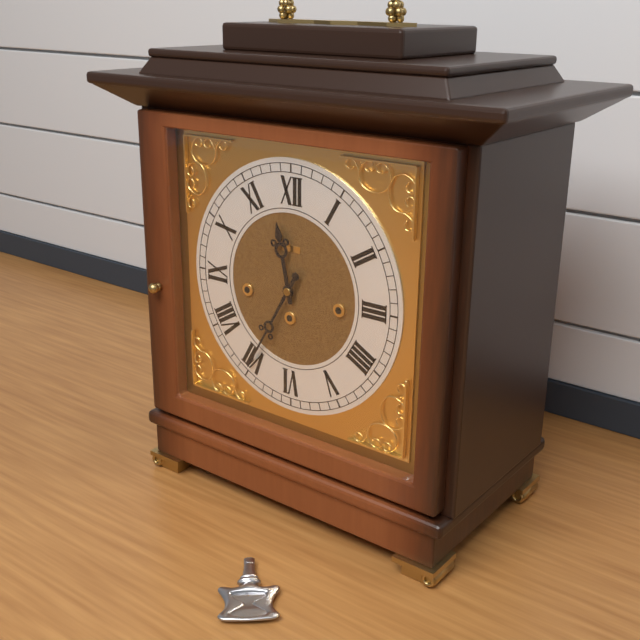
11:35
